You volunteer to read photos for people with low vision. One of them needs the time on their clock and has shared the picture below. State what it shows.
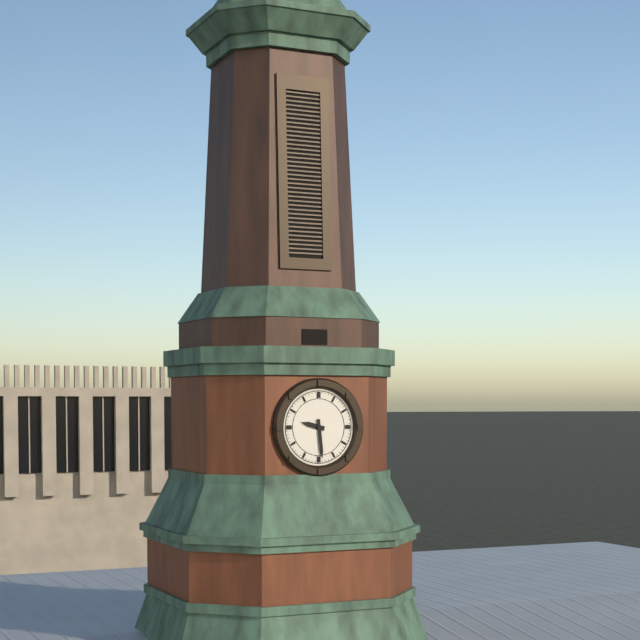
9:29
